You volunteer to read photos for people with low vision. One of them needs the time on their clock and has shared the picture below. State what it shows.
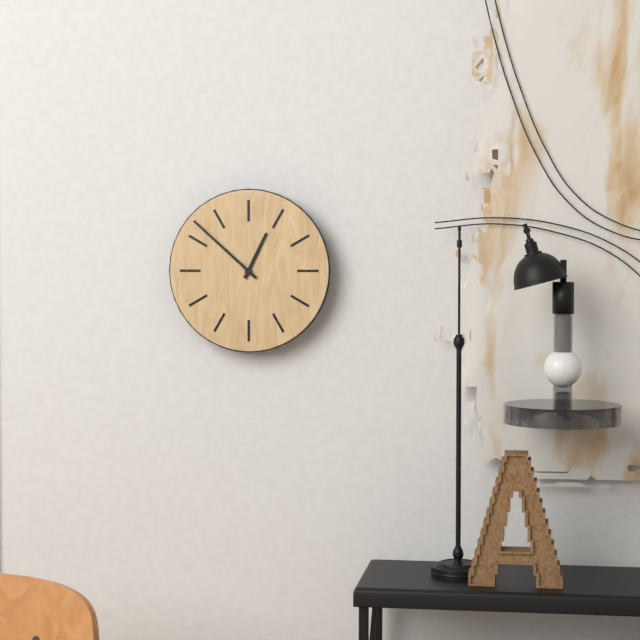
12:52
